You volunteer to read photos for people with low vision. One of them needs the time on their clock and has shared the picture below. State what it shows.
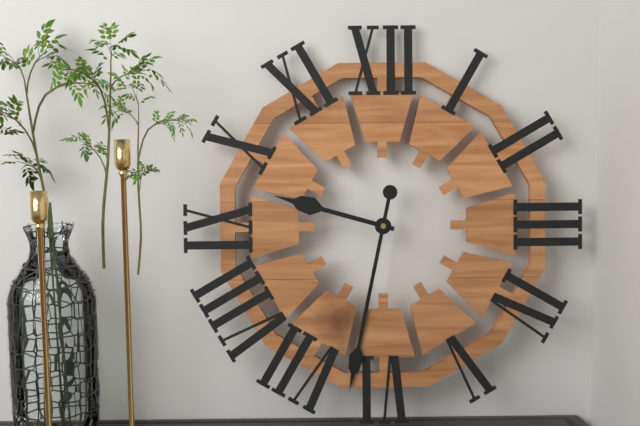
9:32
